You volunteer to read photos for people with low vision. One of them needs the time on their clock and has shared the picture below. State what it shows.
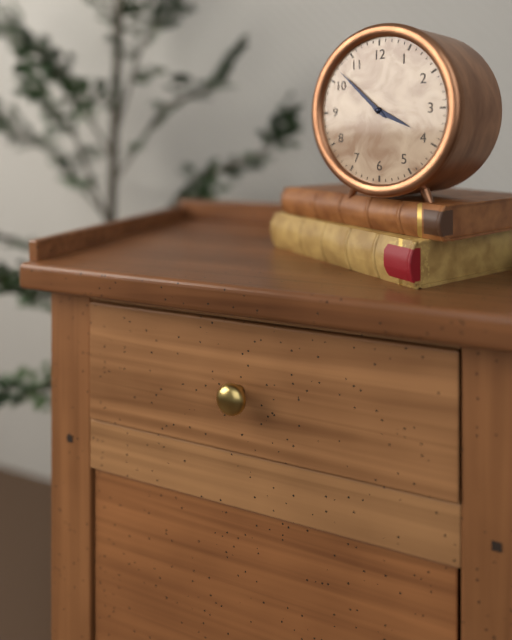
3:52
